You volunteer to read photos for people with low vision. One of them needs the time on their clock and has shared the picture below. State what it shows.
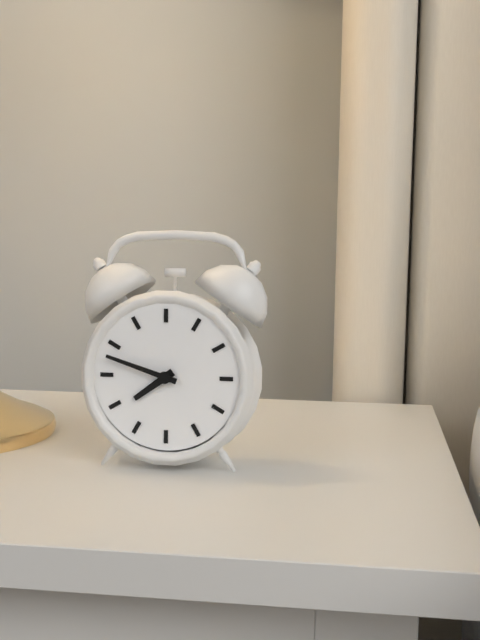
7:48
